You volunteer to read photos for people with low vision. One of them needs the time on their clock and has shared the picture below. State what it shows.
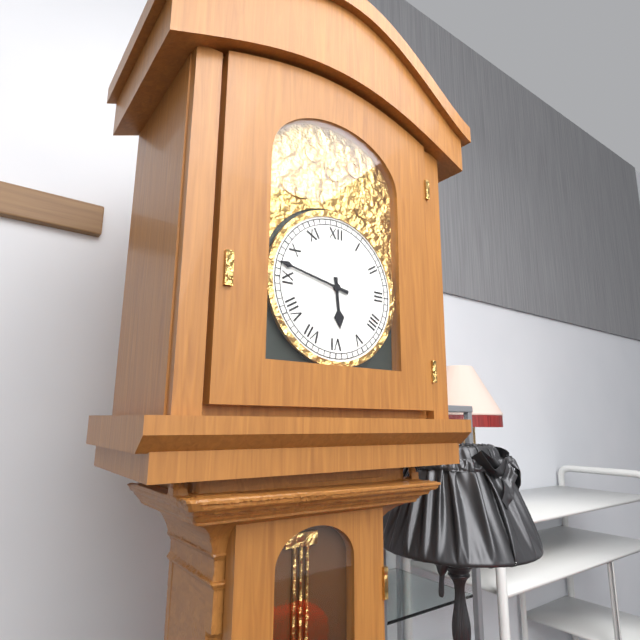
5:47
